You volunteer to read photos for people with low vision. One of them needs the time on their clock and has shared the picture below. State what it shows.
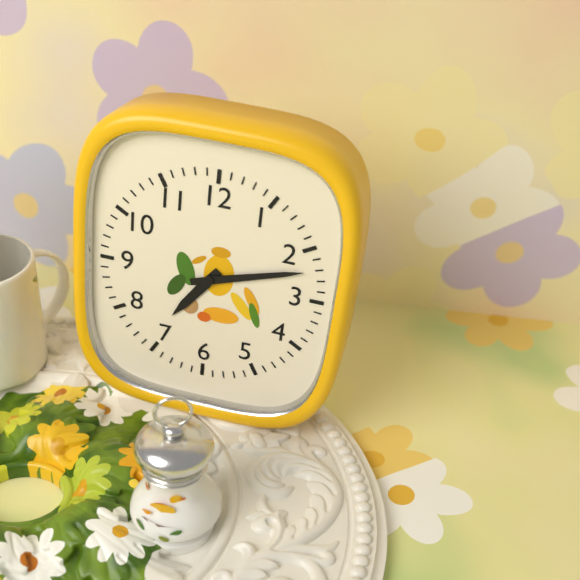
7:12
